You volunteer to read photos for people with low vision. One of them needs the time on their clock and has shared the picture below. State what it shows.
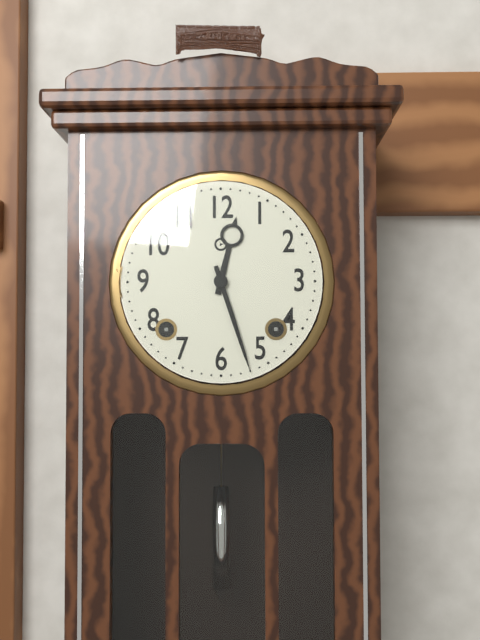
12:27
